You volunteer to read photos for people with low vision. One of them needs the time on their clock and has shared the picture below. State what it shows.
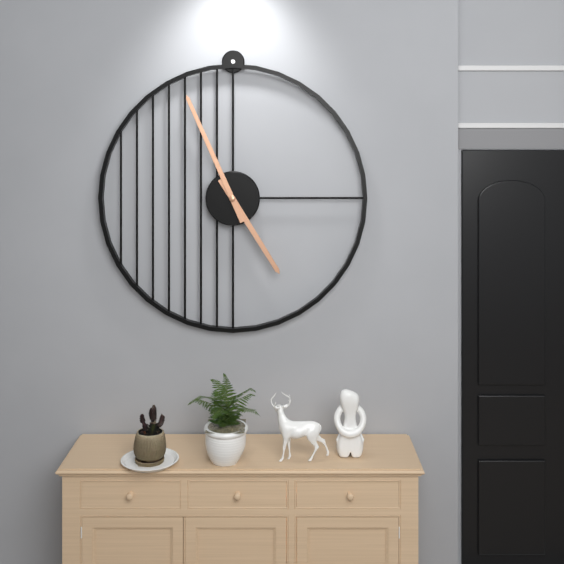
4:56
